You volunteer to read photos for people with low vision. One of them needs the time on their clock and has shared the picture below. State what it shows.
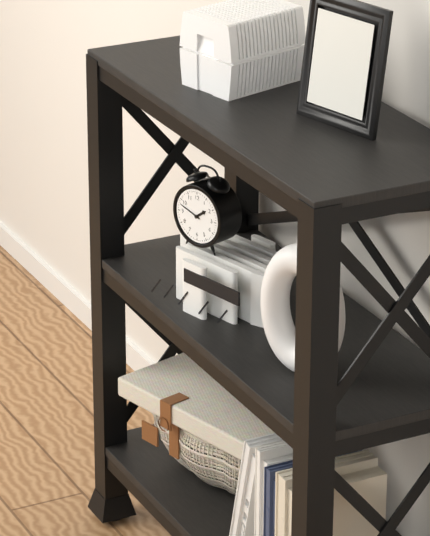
1:48
